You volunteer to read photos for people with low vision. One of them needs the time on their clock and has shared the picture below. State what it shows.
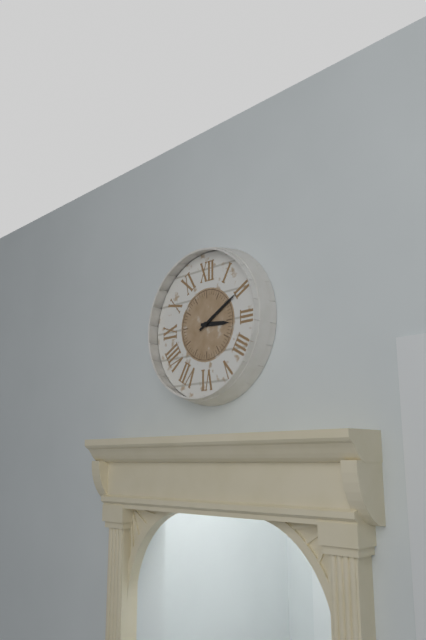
3:10
